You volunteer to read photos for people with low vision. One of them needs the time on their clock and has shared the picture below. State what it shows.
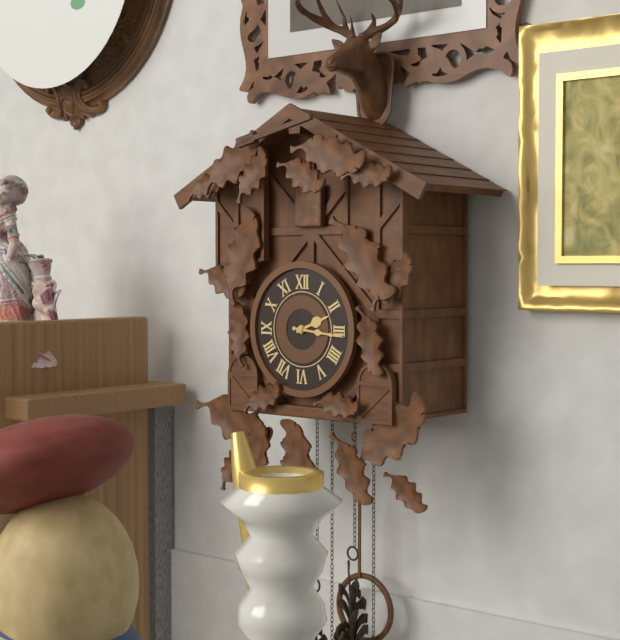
2:16
